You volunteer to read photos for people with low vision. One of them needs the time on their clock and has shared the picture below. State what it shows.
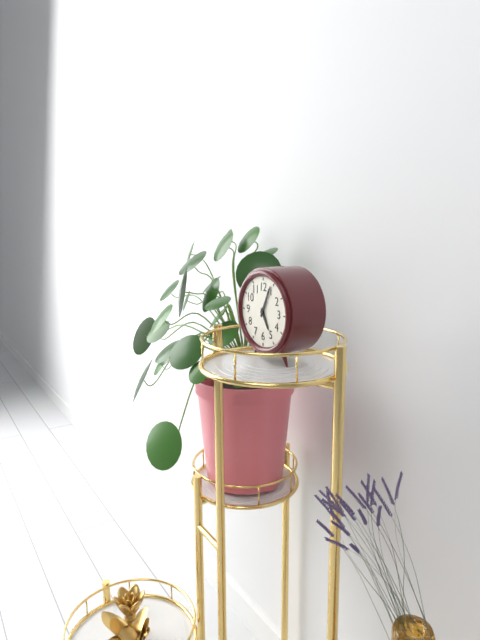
5:04
